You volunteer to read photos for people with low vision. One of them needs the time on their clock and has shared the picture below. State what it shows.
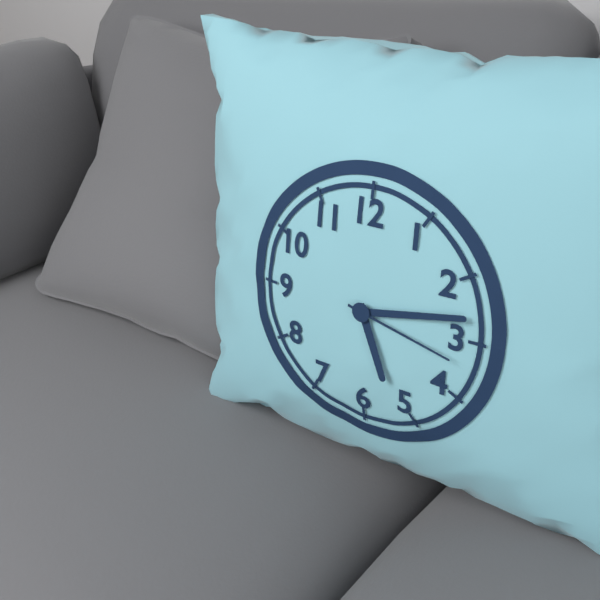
5:13:17
